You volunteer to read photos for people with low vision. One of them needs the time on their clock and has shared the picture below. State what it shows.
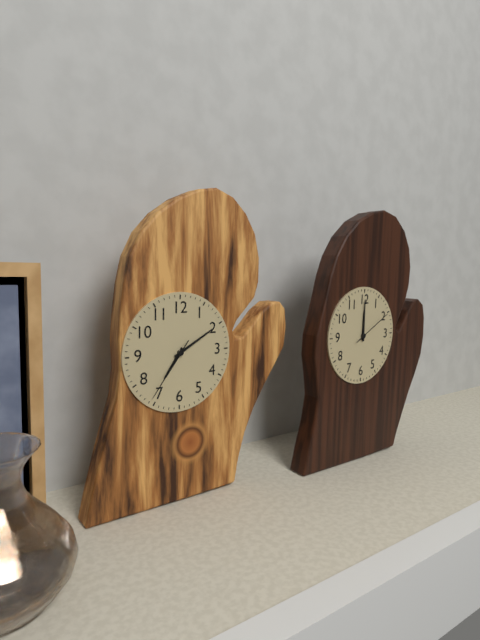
7:10:36
